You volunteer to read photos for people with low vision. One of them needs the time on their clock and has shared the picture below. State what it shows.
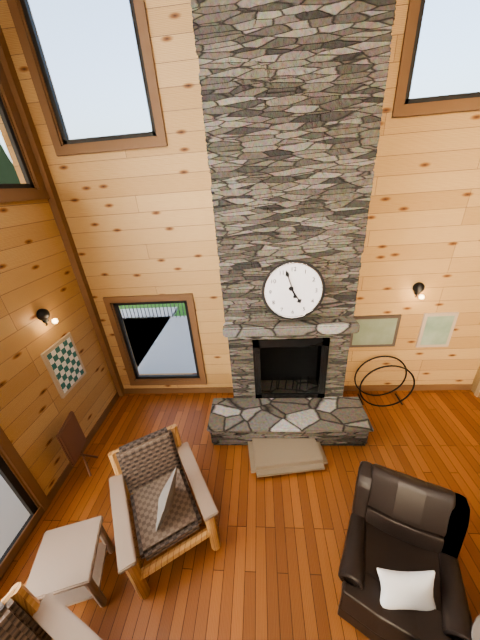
4:57
